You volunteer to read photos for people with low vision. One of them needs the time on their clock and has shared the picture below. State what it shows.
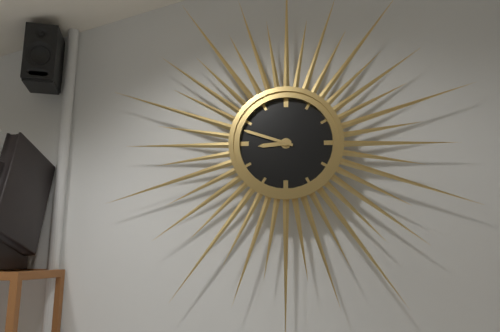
8:48
